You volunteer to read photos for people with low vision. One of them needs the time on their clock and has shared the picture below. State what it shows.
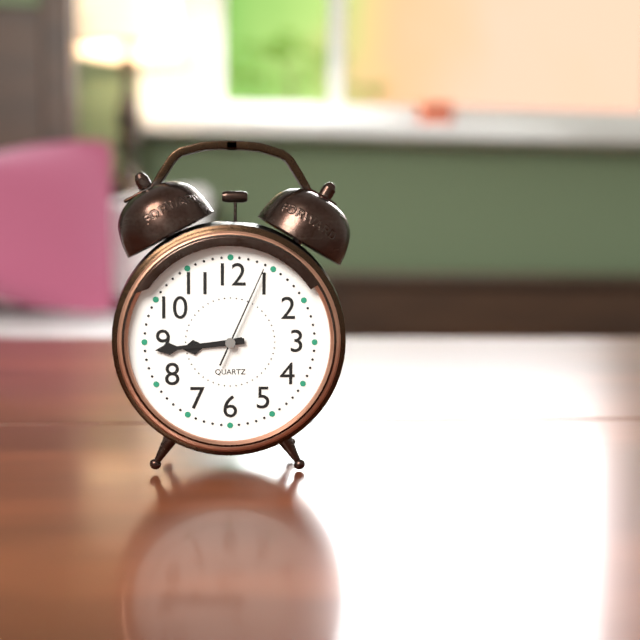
8:44:04
